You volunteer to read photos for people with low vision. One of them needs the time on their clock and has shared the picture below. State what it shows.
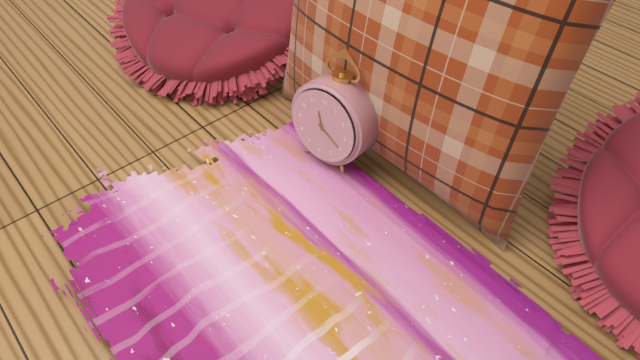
11:20
